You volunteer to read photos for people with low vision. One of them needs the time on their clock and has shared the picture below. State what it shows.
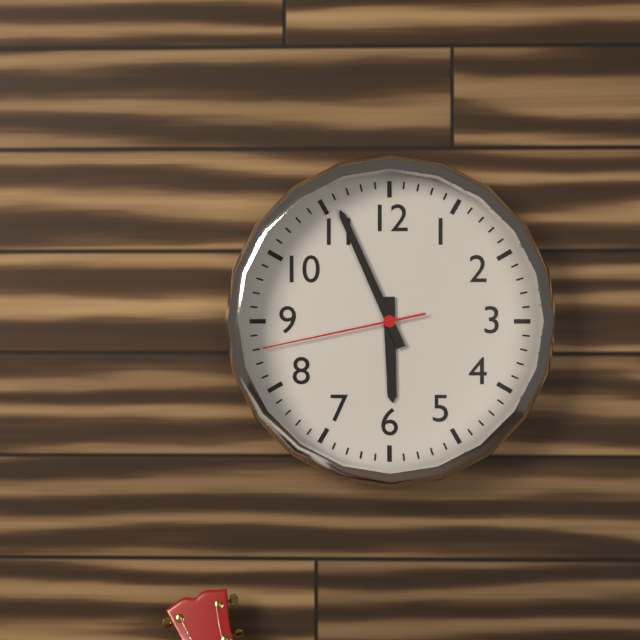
5:56:43
